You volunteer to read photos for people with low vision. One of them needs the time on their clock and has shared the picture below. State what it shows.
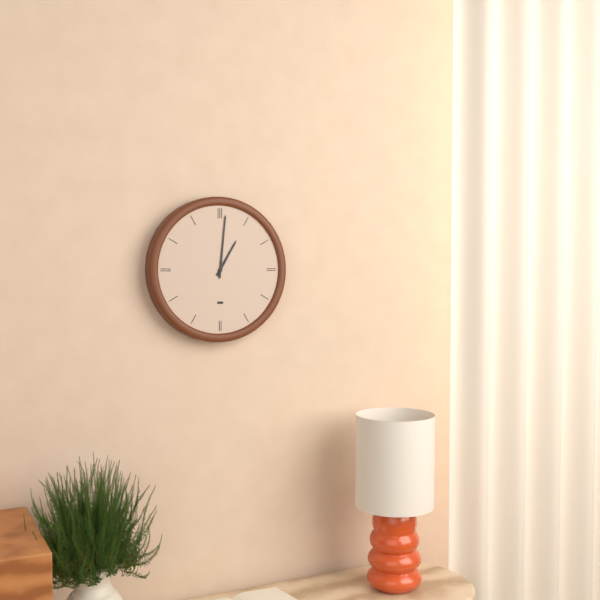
1:01
